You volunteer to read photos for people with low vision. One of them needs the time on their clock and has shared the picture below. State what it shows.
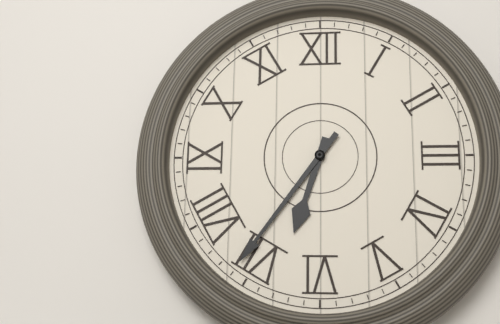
6:36
